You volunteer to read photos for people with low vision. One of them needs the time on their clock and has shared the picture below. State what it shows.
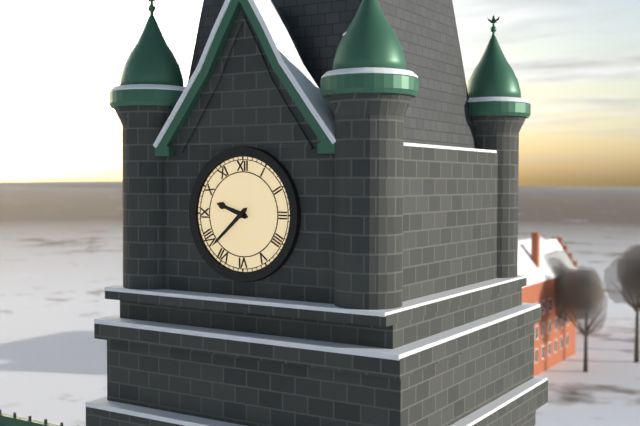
9:38
